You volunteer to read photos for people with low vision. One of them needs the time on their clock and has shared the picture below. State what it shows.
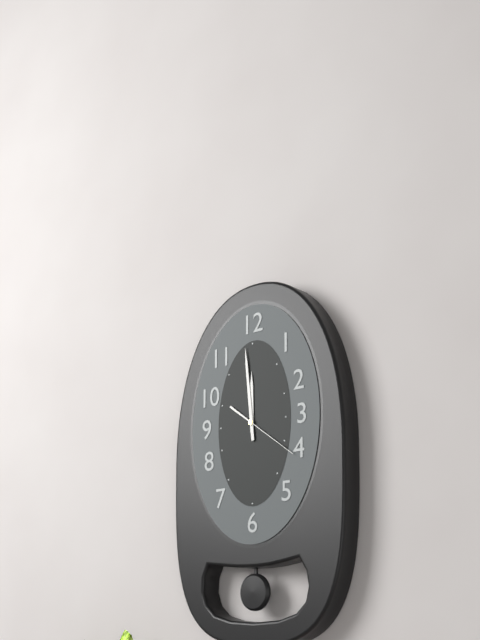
11:59:21
